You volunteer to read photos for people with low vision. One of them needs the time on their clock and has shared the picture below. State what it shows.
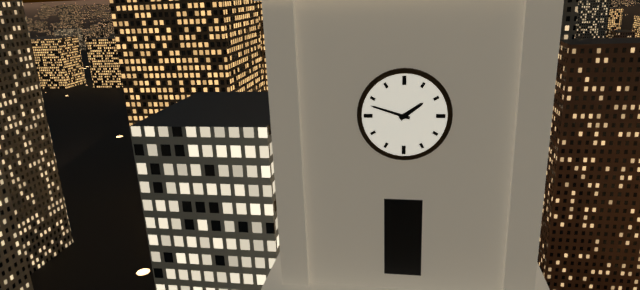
1:48
